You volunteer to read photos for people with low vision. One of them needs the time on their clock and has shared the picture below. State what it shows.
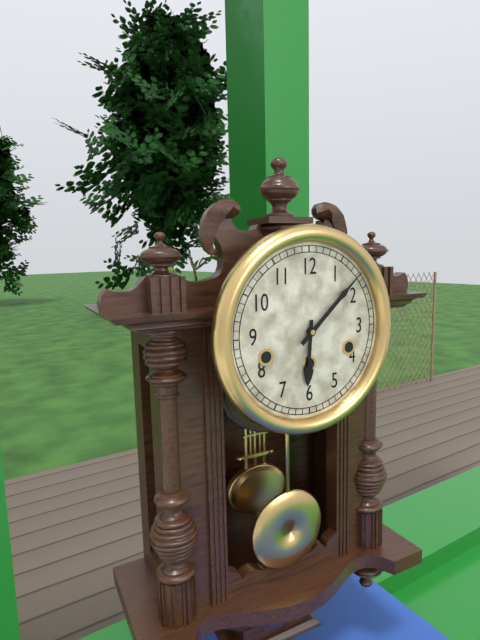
6:08
